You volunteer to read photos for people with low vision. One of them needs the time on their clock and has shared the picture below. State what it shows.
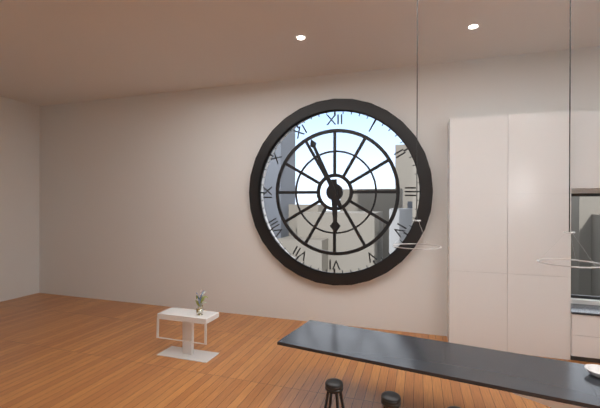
5:56
